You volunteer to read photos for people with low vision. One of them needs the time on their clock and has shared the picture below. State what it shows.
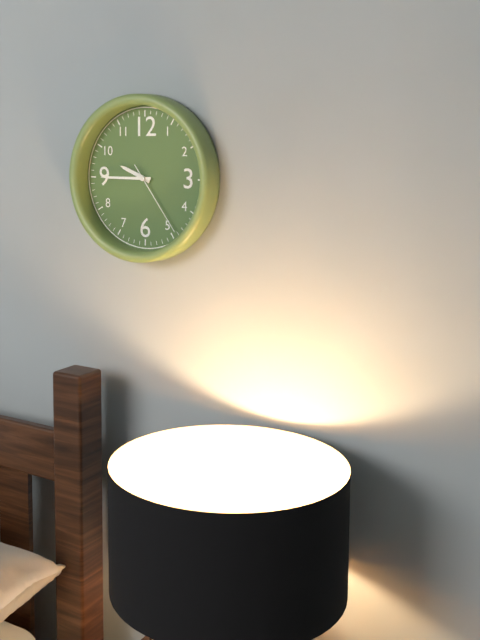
9:45:24
